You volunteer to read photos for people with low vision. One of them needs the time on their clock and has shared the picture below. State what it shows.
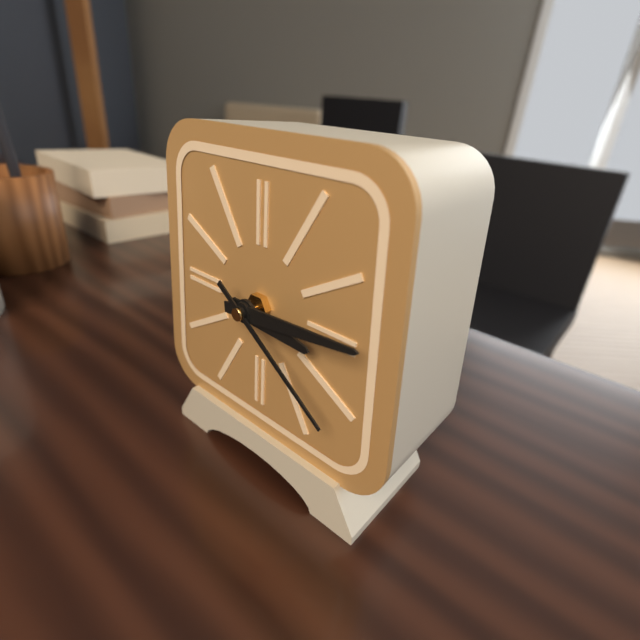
3:14:21
